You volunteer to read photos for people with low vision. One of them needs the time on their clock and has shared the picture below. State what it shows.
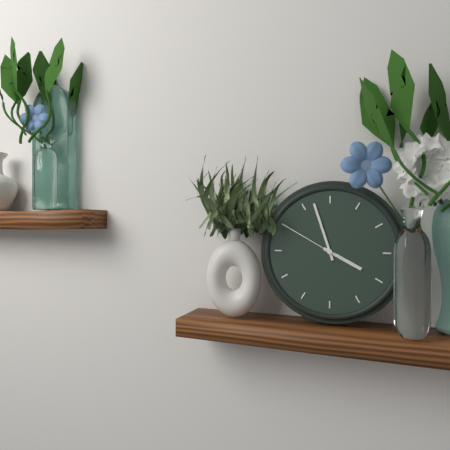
3:57:50
